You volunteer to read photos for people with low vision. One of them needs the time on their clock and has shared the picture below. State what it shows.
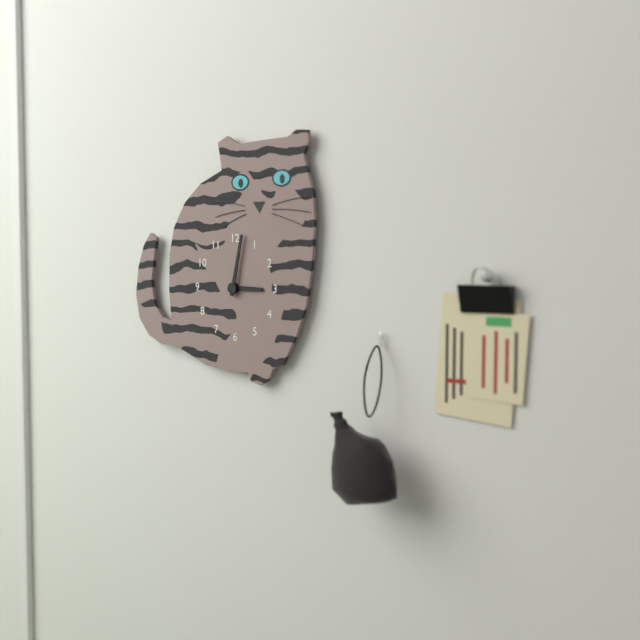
3:02
